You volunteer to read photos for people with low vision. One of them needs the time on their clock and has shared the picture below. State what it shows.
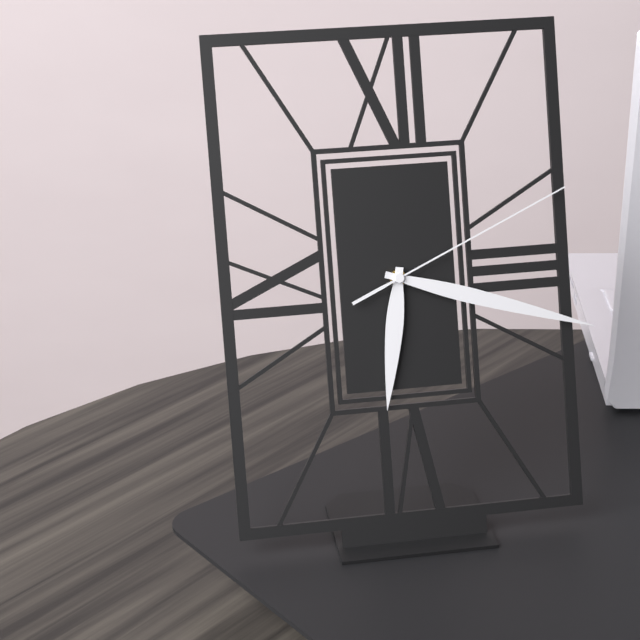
6:18:11
